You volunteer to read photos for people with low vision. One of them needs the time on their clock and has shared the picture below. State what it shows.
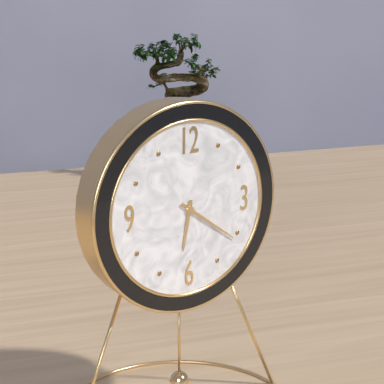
6:21
